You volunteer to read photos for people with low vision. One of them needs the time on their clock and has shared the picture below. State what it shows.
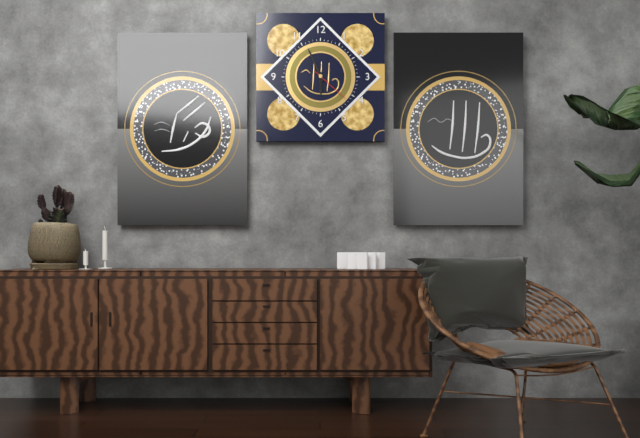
5:56
